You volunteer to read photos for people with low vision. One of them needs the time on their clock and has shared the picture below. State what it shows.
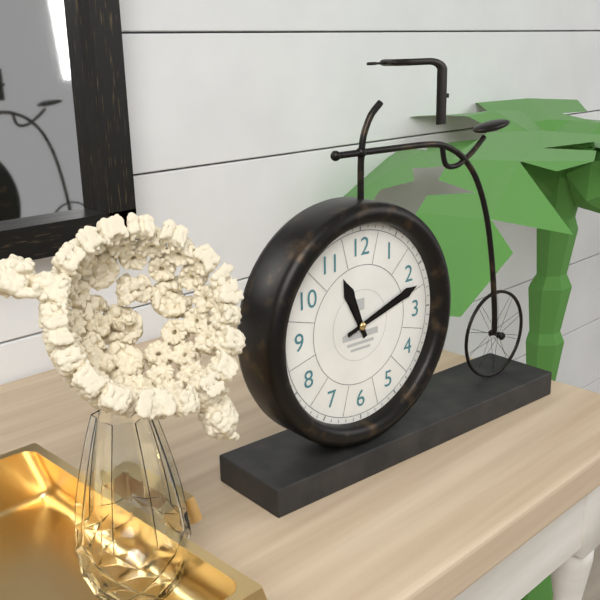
11:12
